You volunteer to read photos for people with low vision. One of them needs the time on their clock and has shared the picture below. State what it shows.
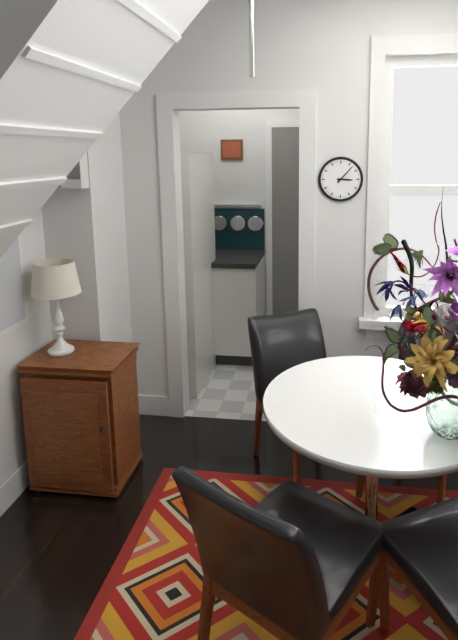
3:07
